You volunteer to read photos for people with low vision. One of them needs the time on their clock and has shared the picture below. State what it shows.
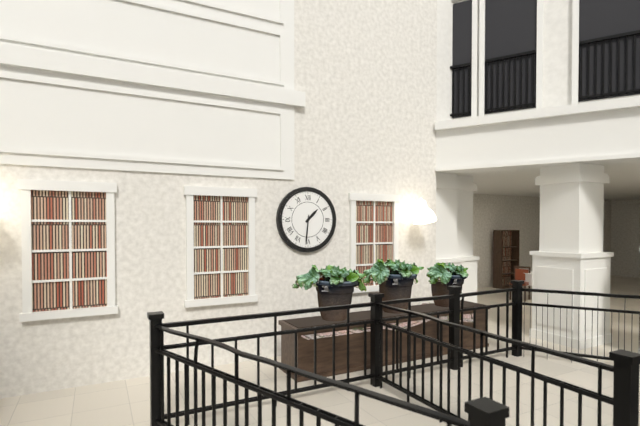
1:31
